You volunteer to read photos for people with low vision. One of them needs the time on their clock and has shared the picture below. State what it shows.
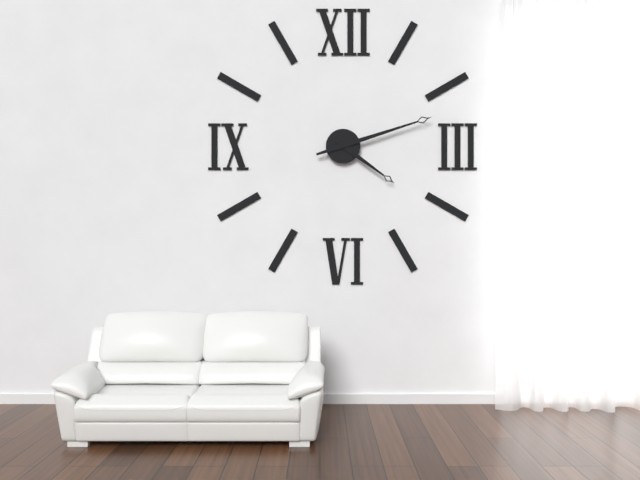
4:12
